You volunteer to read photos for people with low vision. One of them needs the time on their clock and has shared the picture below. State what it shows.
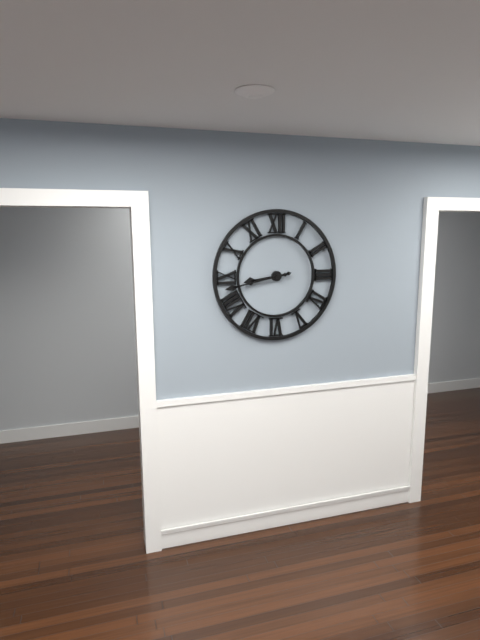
8:43
